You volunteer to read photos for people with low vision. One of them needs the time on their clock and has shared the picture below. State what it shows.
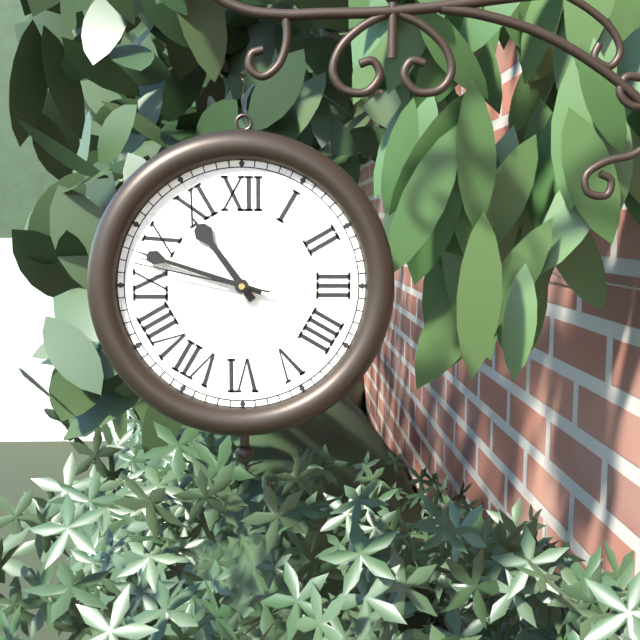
10:48:47
